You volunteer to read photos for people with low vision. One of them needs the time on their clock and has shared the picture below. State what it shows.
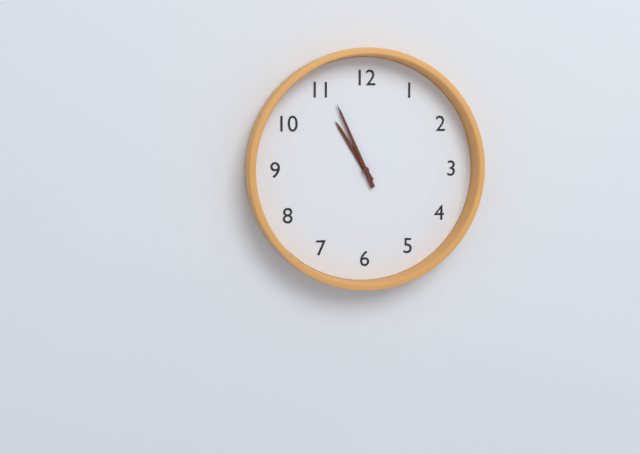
10:56
